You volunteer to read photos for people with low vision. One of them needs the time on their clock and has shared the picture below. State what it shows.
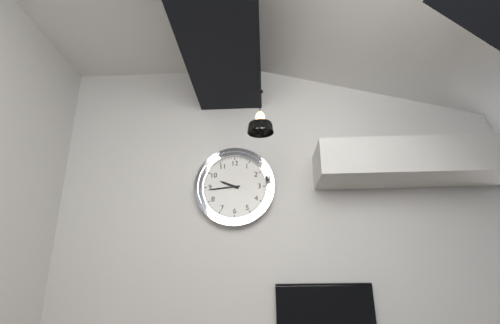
9:44
